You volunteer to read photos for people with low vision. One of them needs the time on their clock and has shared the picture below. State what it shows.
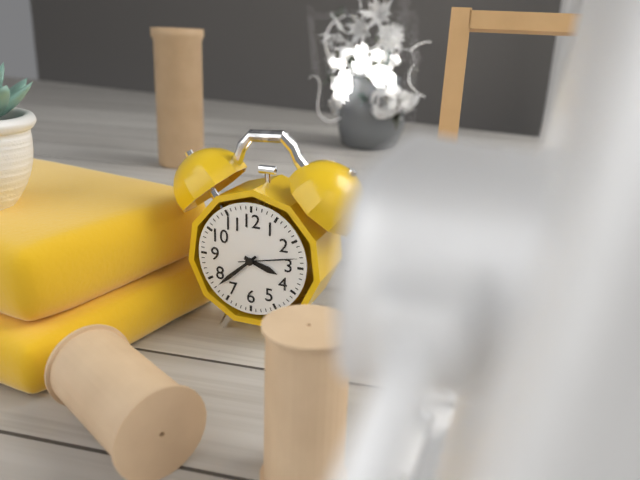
3:38:13
